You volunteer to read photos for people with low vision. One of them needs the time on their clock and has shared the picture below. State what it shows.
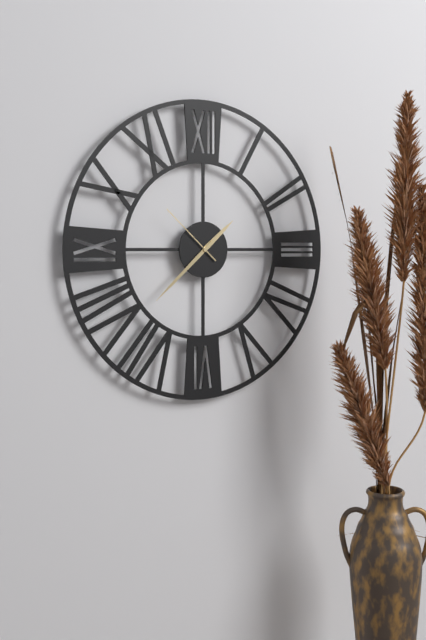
1:38:52
